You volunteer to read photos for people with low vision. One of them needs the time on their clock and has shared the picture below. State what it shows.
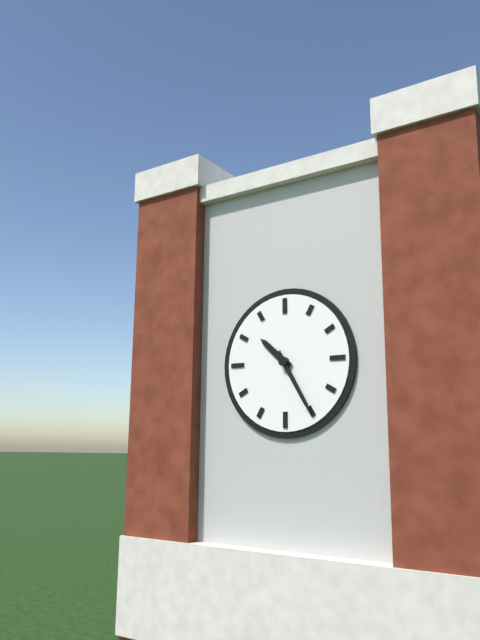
10:25
